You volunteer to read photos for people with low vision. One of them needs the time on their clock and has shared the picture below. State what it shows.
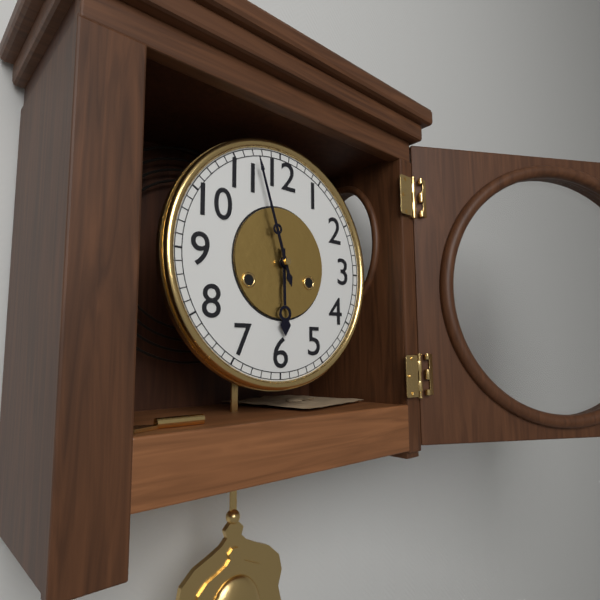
5:57
